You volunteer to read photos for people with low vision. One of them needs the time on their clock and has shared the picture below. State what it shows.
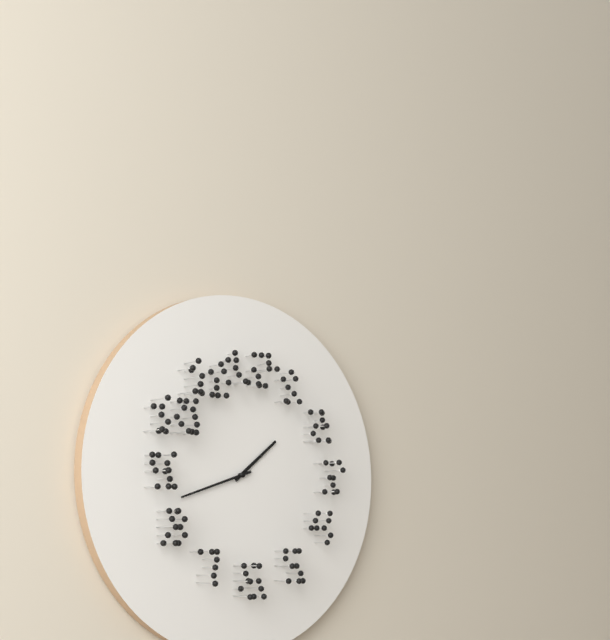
1:42
